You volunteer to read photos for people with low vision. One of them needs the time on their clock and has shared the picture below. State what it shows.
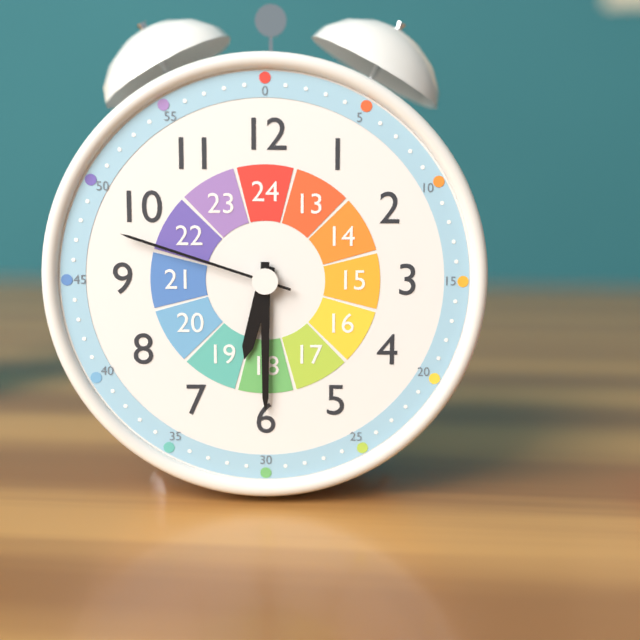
6:30:48
